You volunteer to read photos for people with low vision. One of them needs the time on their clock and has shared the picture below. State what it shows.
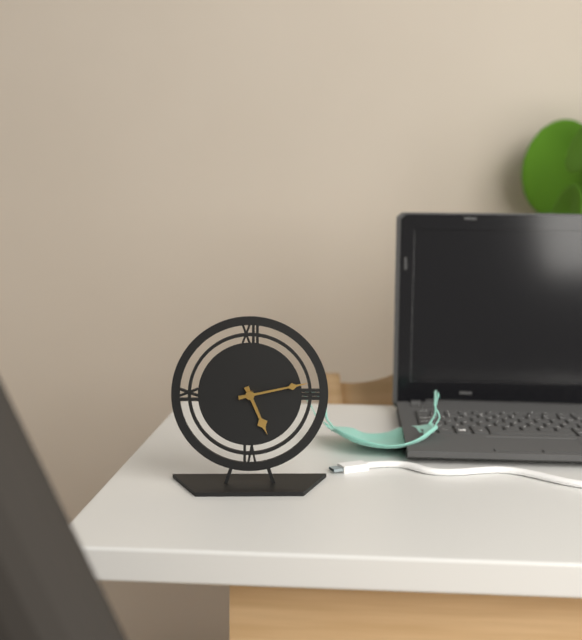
5:13
